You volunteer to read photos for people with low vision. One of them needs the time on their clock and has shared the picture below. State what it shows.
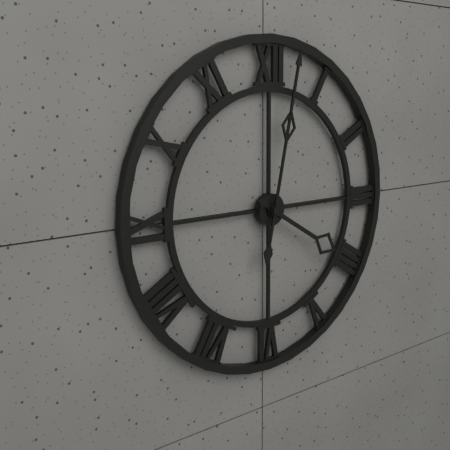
4:02
